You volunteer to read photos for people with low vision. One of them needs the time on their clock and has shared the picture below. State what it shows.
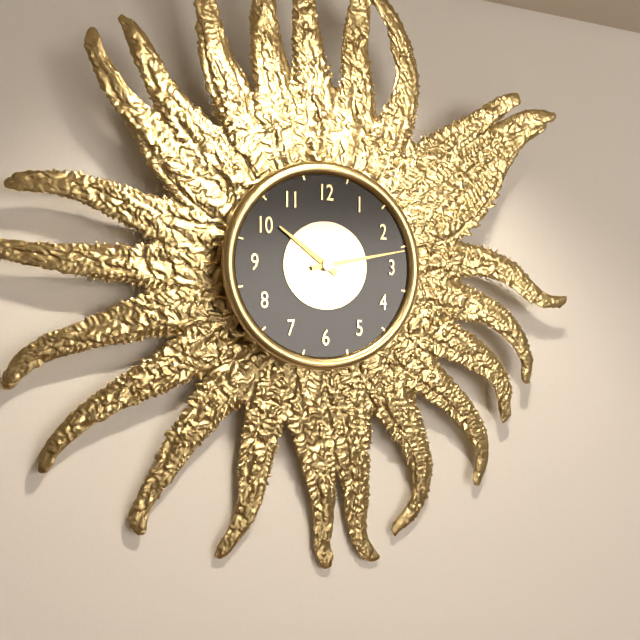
10:13
